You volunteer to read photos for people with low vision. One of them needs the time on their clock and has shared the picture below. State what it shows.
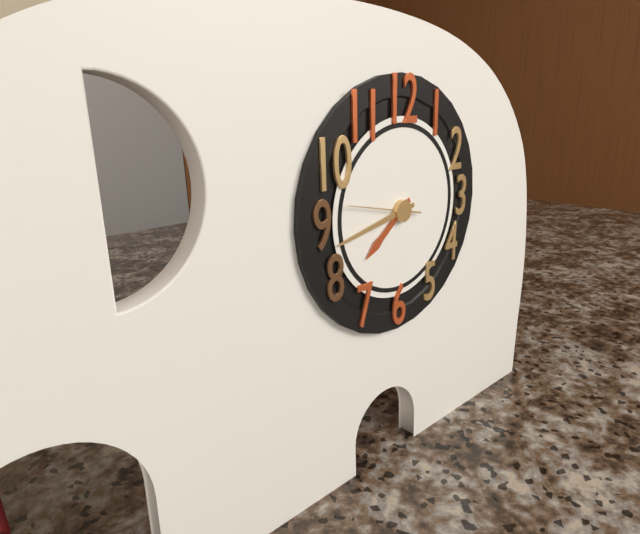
7:43:47
